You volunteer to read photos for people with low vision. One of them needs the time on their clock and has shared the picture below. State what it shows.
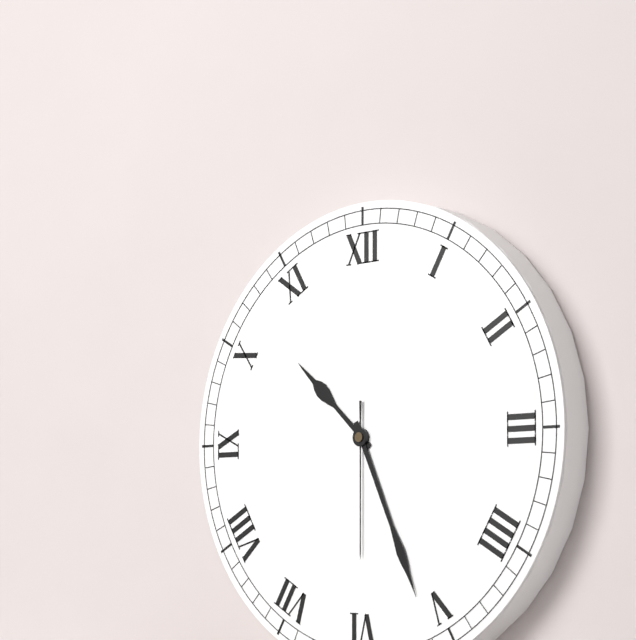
10:26:30
